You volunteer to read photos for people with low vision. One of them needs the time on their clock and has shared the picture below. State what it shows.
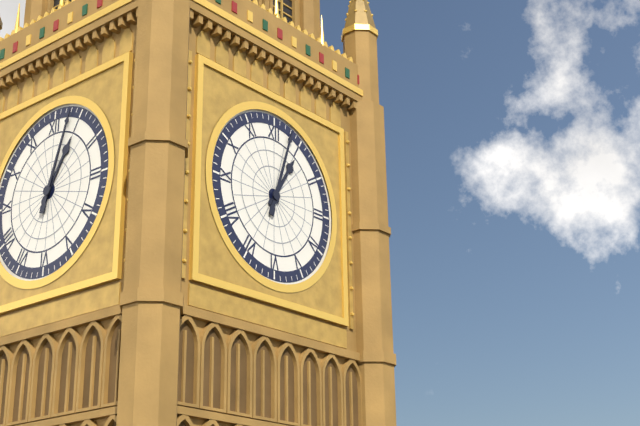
1:03
